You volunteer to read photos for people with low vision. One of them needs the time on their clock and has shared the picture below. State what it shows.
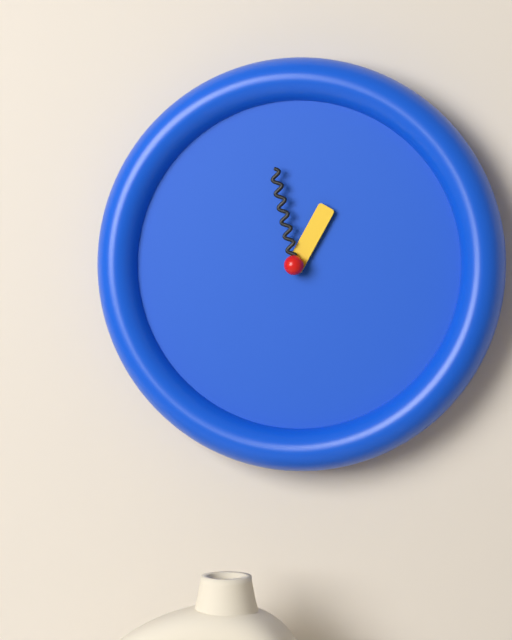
12:58
